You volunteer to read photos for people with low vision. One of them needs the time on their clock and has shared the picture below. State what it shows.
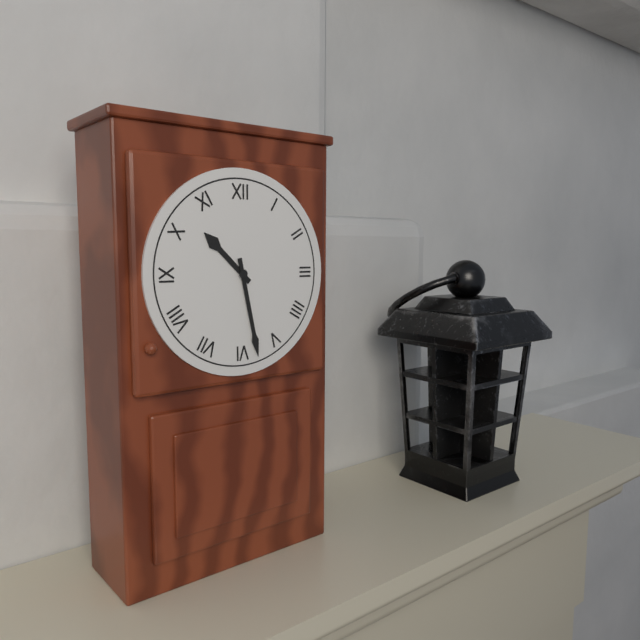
10:28
